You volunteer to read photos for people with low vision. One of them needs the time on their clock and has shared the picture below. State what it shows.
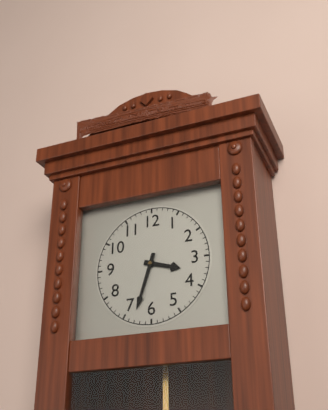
3:33
